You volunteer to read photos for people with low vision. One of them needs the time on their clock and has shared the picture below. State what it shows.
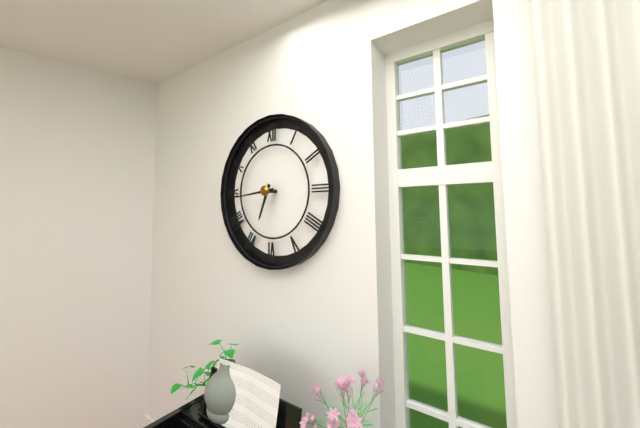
6:44
